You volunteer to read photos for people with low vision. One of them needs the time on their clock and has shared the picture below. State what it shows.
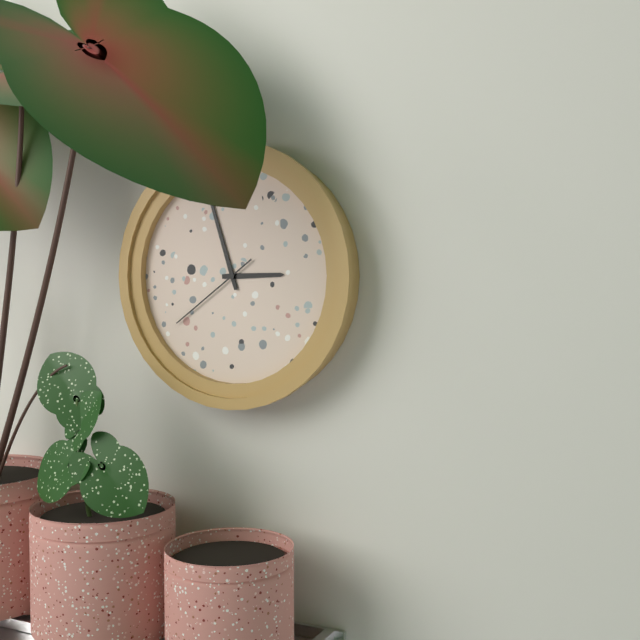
2:57:39
